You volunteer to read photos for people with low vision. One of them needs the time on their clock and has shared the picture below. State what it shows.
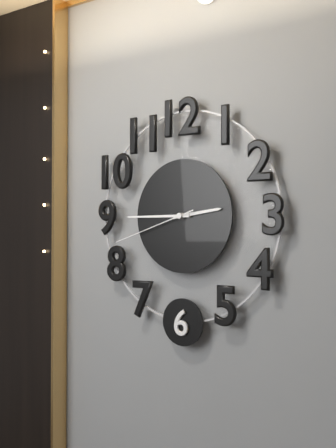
2:45:42
